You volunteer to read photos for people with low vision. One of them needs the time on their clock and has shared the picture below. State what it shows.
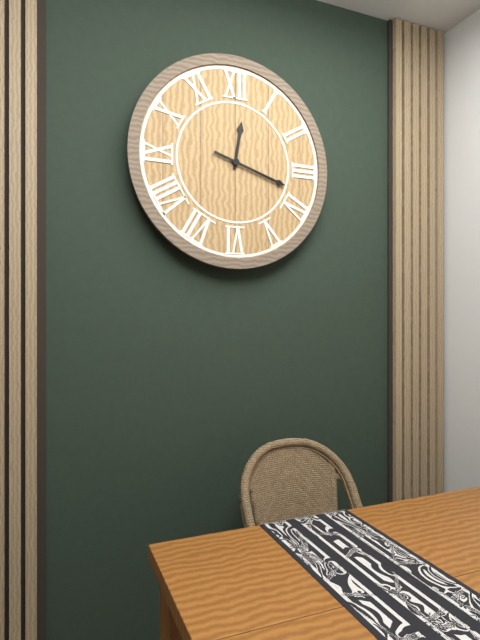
12:18
